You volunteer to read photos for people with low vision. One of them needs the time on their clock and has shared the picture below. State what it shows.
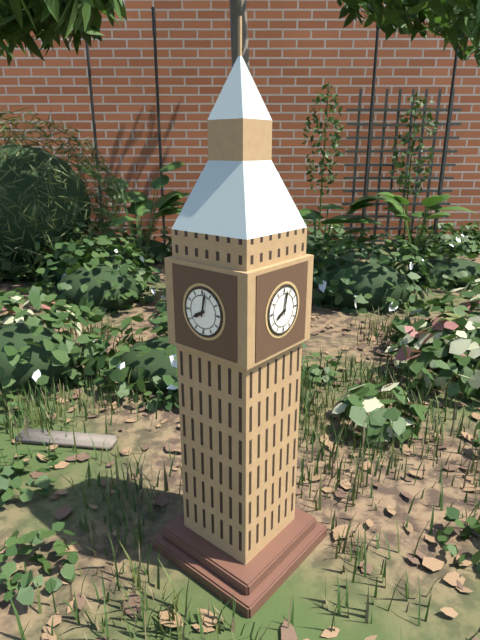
8:02
